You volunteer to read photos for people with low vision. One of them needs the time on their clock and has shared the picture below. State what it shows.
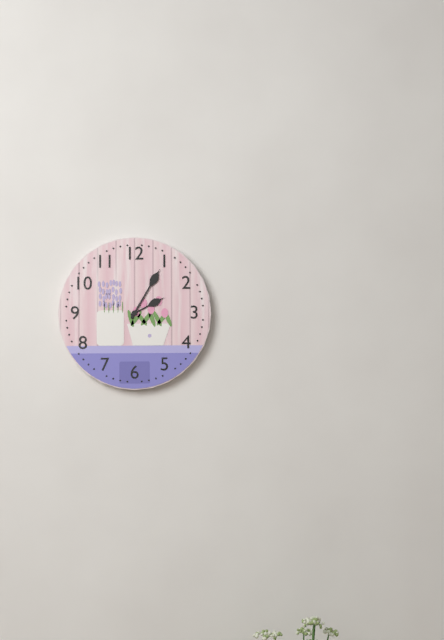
2:05
